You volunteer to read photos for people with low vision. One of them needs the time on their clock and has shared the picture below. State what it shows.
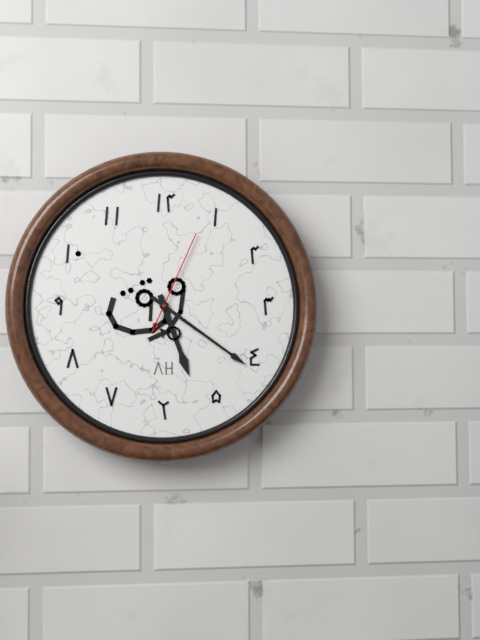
5:21:04
